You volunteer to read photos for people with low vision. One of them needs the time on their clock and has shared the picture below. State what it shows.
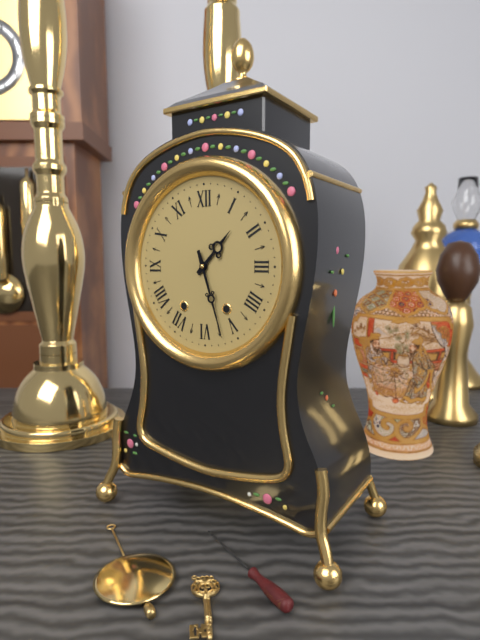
1:27
